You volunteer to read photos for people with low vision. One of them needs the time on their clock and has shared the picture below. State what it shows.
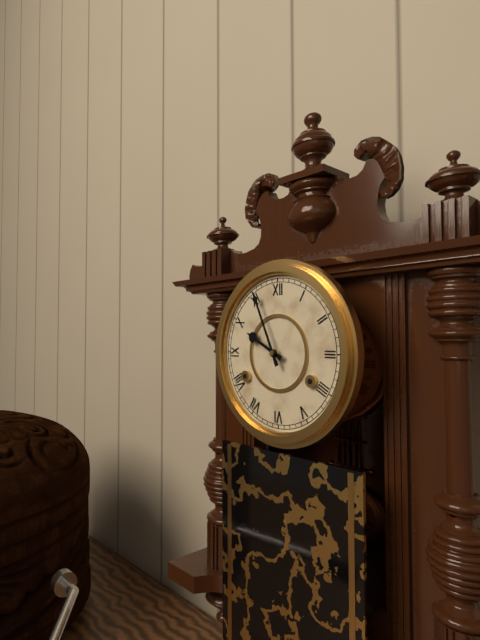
9:56
